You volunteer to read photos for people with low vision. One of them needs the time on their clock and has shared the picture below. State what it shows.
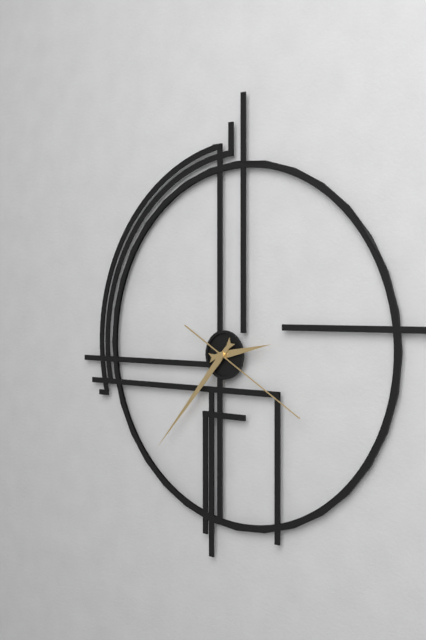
2:37:20
